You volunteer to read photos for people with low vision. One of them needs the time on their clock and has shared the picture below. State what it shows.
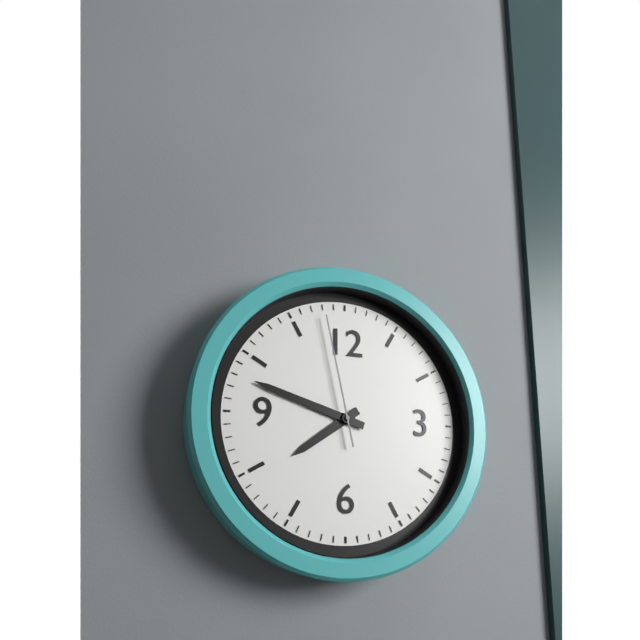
7:48:58
